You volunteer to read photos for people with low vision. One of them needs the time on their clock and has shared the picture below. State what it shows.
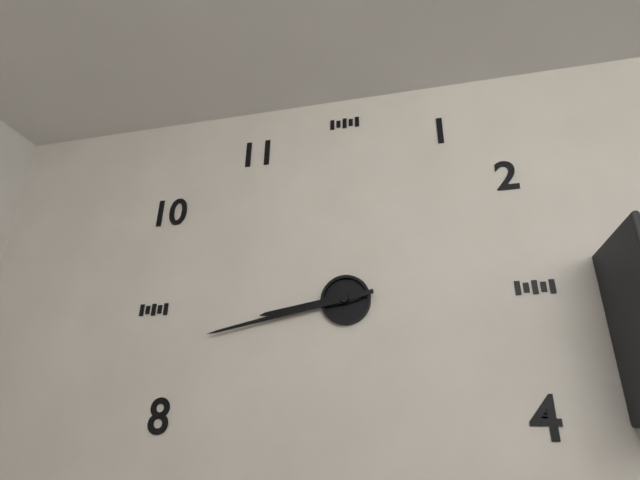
8:43
